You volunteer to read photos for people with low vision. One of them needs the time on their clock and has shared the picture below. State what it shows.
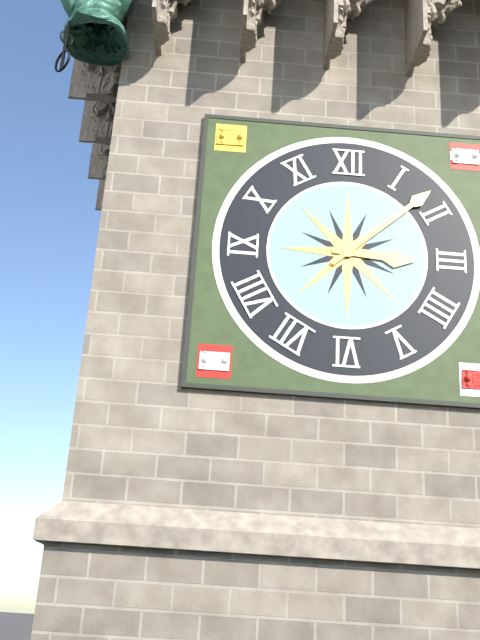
3:08
